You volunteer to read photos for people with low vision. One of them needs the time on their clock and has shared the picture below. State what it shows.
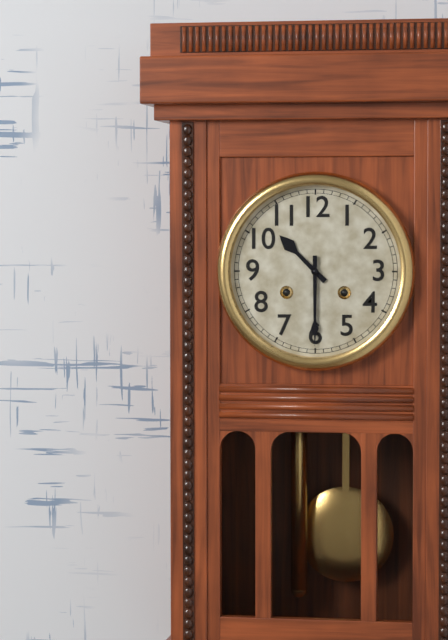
10:30
